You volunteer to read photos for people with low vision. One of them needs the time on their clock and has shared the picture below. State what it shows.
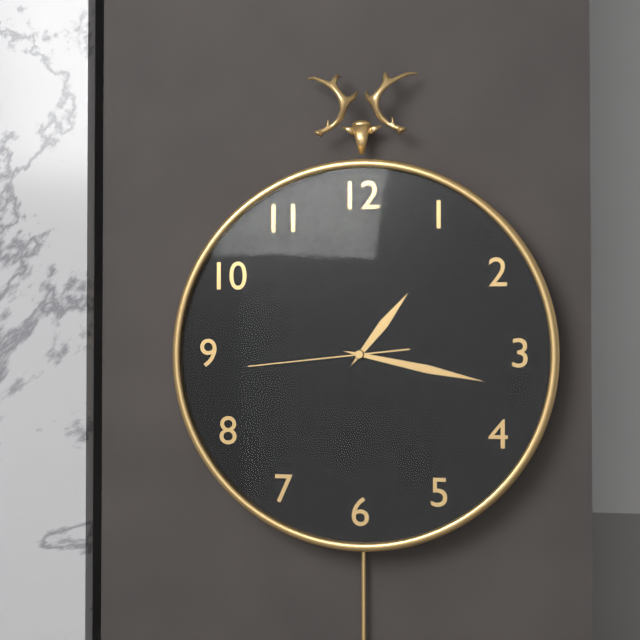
1:17:44
